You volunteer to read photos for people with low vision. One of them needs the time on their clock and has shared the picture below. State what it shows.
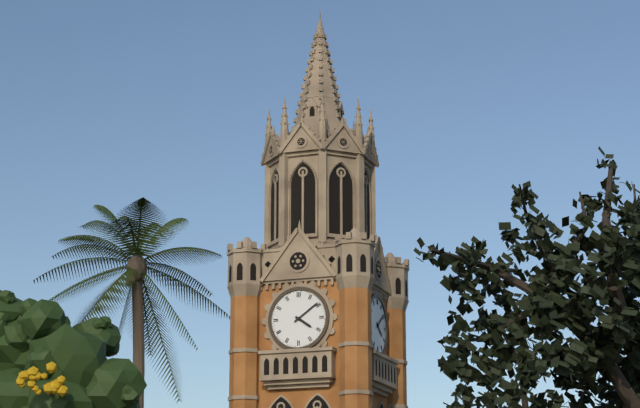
4:09
